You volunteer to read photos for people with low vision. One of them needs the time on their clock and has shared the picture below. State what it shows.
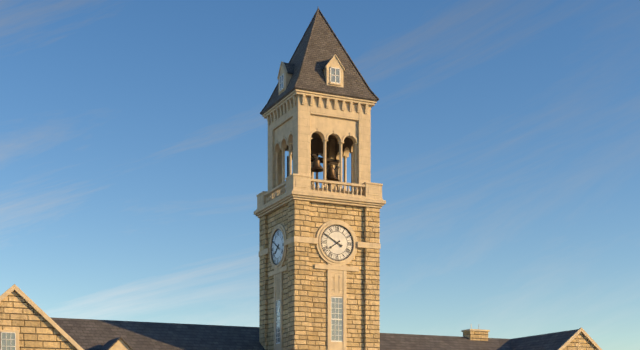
7:50
